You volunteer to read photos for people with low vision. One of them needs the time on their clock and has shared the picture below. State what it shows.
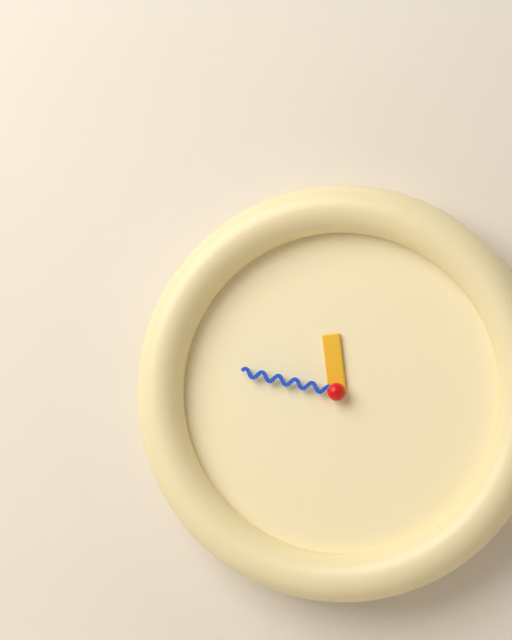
11:47
